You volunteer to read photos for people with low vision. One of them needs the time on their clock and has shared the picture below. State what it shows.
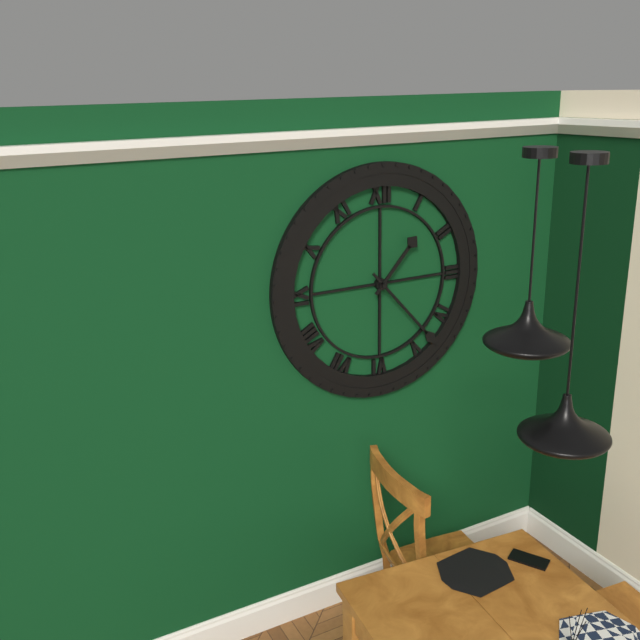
1:23
